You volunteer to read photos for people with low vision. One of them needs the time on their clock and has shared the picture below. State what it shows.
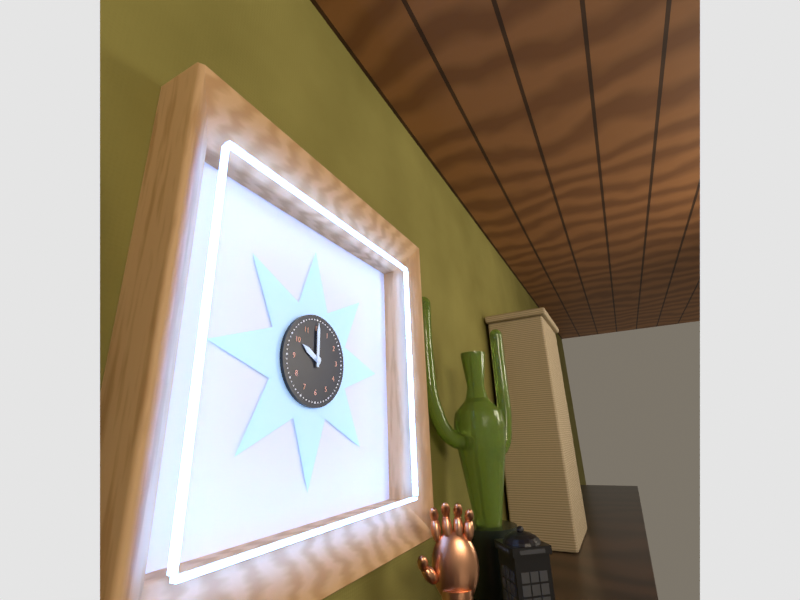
10:00
